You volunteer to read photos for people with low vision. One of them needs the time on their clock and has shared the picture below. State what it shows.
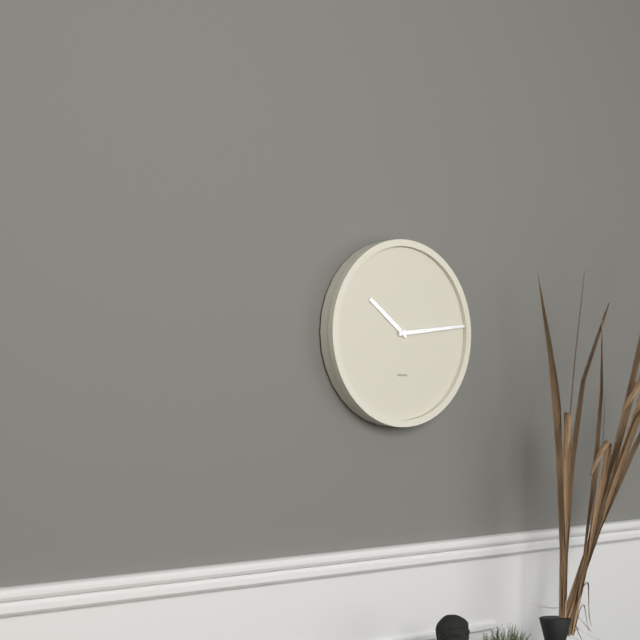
10:14
